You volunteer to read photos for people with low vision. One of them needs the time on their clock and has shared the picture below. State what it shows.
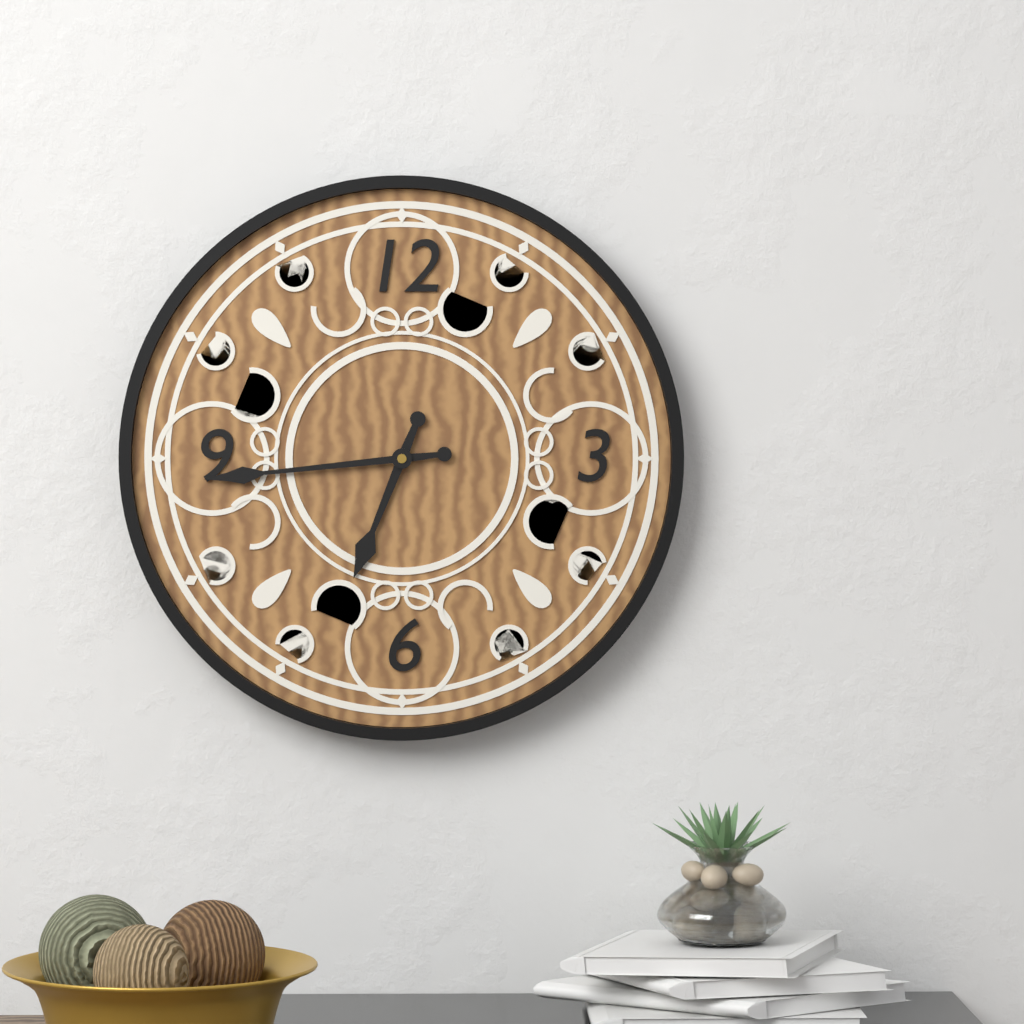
6:44
